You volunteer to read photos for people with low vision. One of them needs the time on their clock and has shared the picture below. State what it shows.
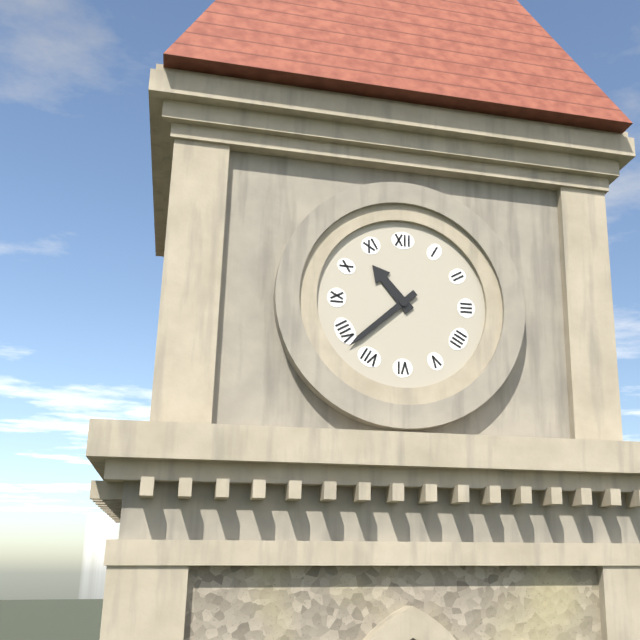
10:38
